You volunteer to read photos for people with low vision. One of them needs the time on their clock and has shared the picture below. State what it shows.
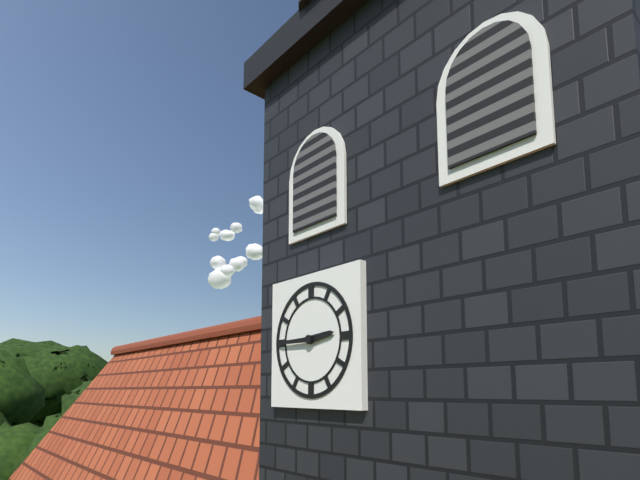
2:45
